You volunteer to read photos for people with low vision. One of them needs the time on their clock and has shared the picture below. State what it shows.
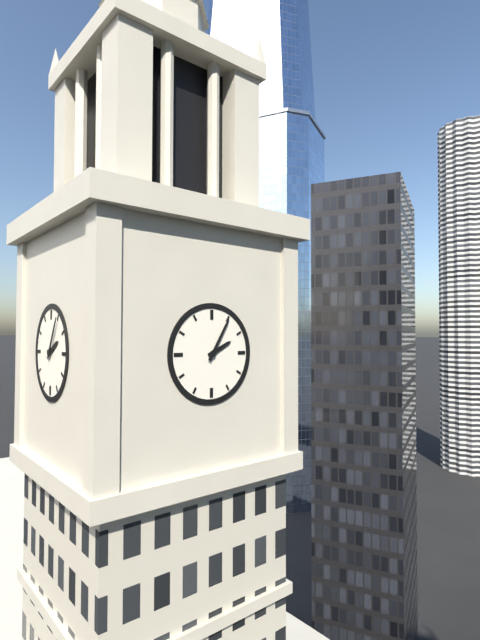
2:05
